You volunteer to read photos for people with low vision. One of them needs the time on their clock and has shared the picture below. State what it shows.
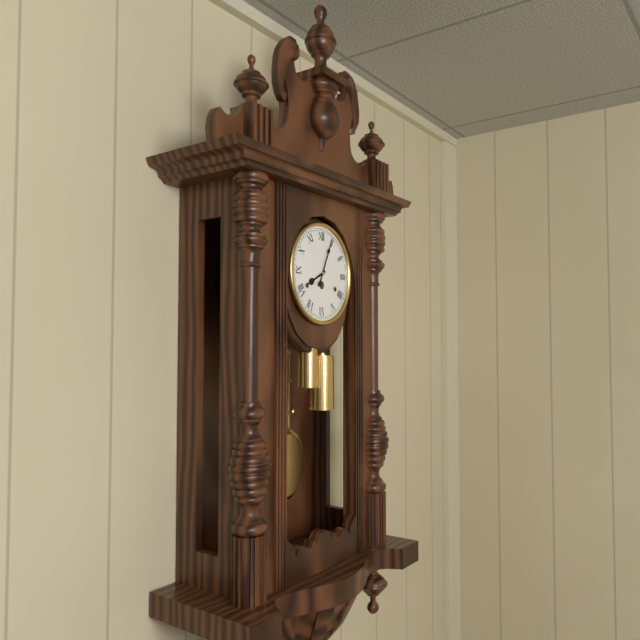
8:04
